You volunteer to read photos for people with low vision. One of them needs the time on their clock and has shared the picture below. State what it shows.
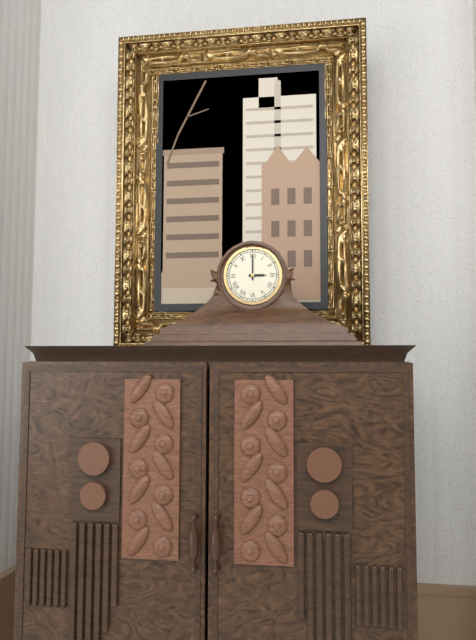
3:00
